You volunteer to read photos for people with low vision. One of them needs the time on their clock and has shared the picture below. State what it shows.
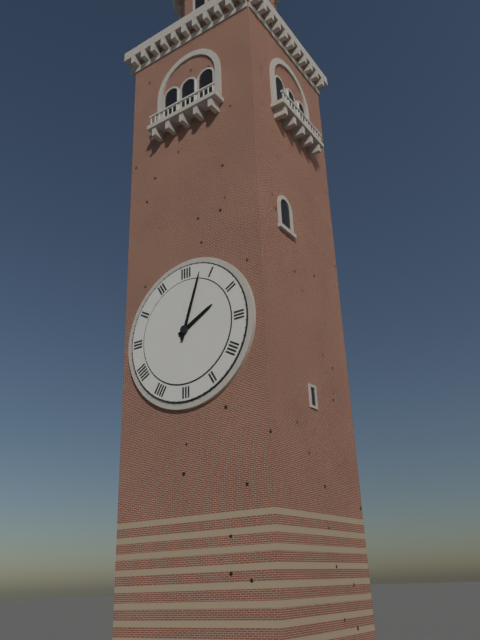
2:03
